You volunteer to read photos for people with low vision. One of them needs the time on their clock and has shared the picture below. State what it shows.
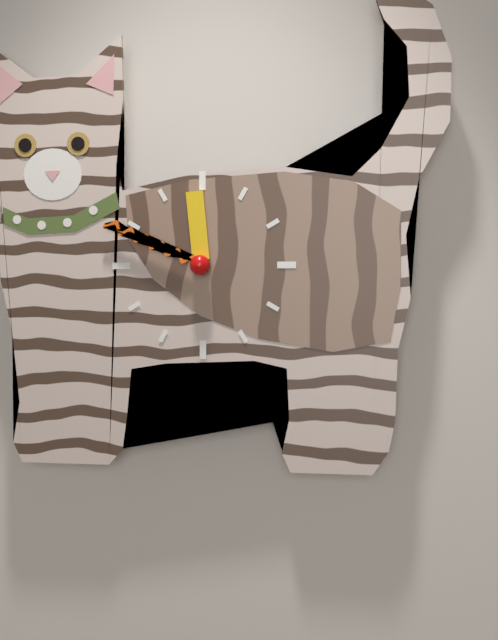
11:49
